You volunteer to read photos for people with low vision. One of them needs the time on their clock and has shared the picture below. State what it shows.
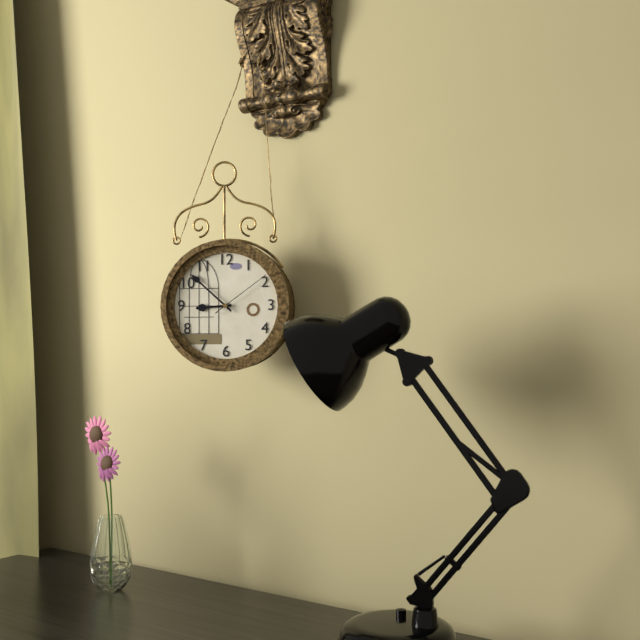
8:52:09
